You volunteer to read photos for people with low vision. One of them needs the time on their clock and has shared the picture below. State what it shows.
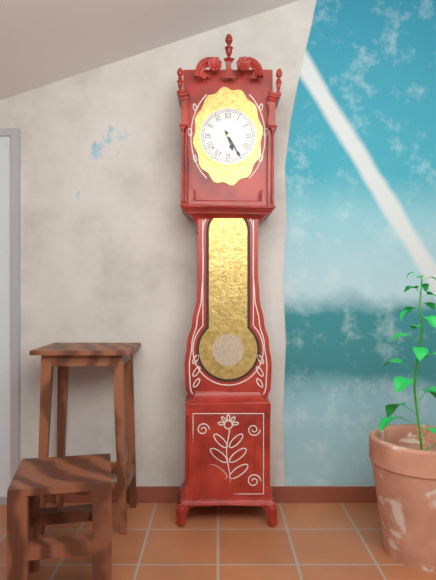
5:25
